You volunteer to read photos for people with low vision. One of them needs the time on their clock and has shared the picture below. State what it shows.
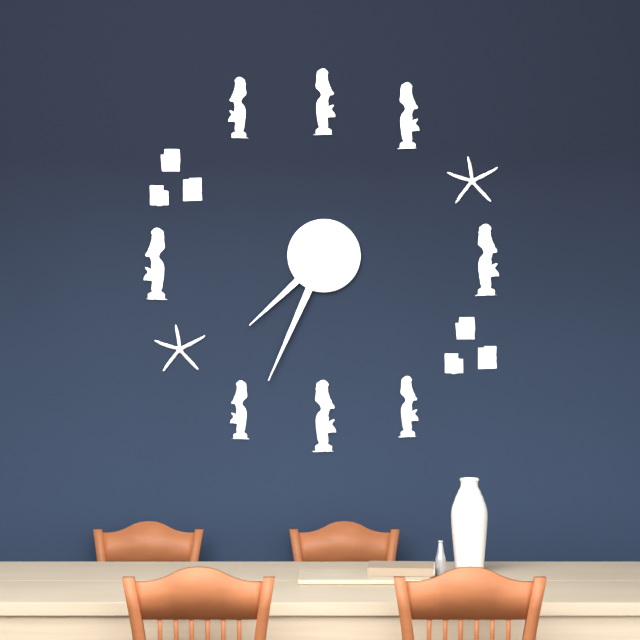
7:34
